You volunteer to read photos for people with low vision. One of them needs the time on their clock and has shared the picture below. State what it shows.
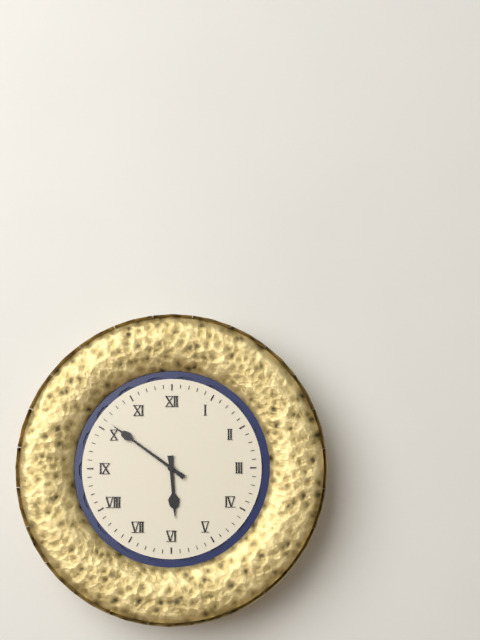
5:51
